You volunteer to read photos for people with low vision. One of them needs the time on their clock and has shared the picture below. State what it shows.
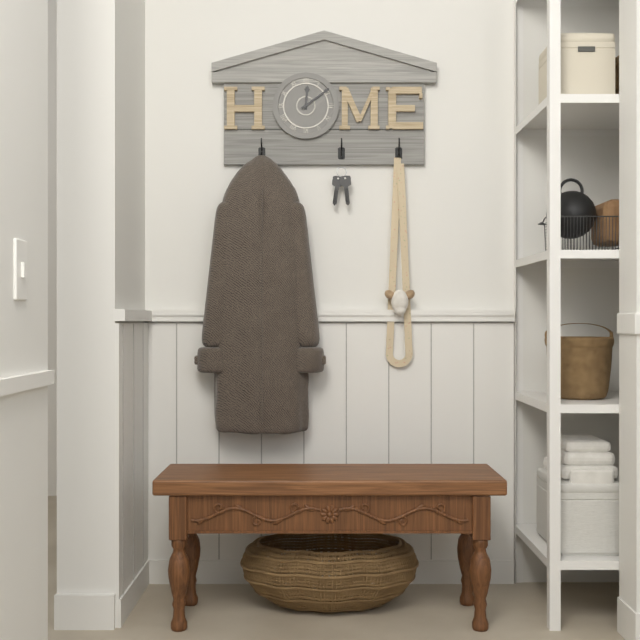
12:09
